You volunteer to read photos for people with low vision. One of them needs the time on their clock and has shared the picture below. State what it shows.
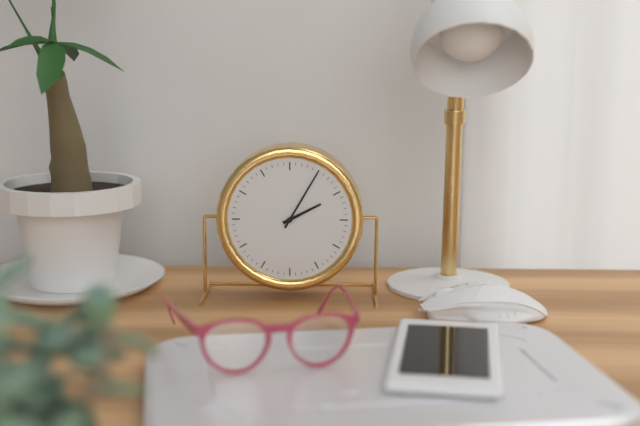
2:05
